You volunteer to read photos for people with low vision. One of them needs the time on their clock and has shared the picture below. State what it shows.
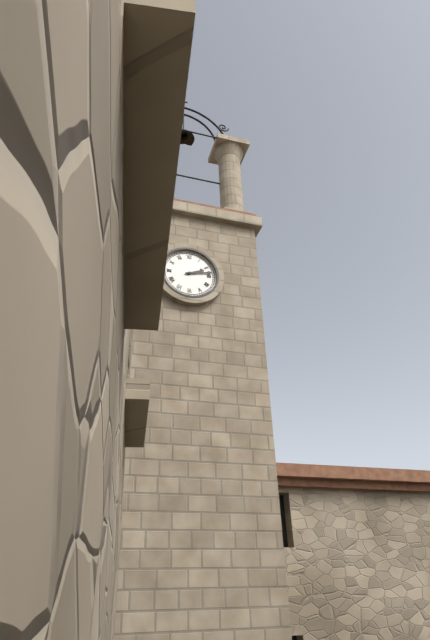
2:13
